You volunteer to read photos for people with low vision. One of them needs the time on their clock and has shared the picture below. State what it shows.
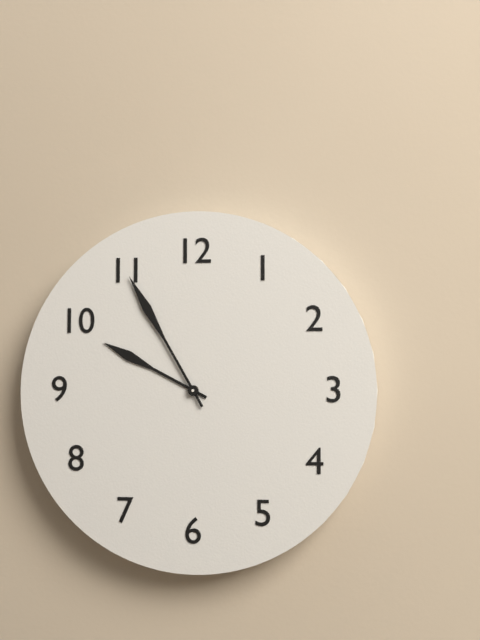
9:55
